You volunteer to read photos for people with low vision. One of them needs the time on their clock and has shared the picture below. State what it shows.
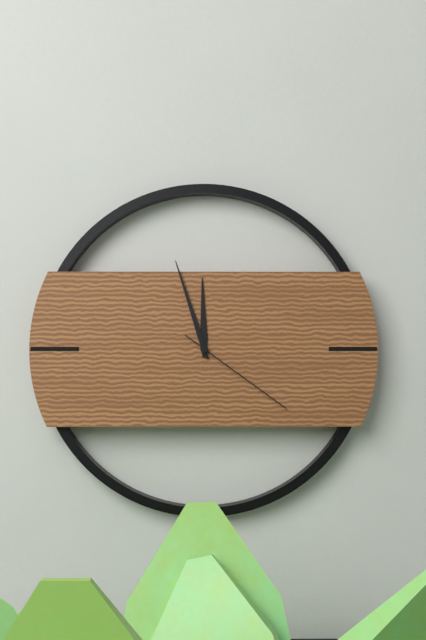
11:57:21
